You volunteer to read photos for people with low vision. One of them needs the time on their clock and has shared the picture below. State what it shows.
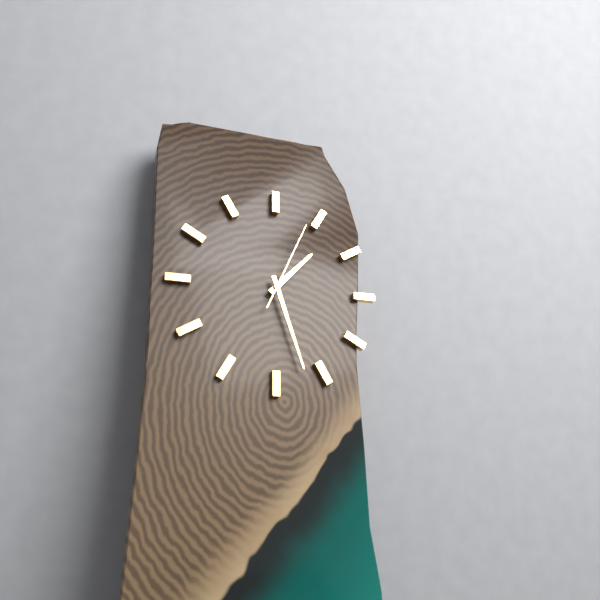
1:27:04
